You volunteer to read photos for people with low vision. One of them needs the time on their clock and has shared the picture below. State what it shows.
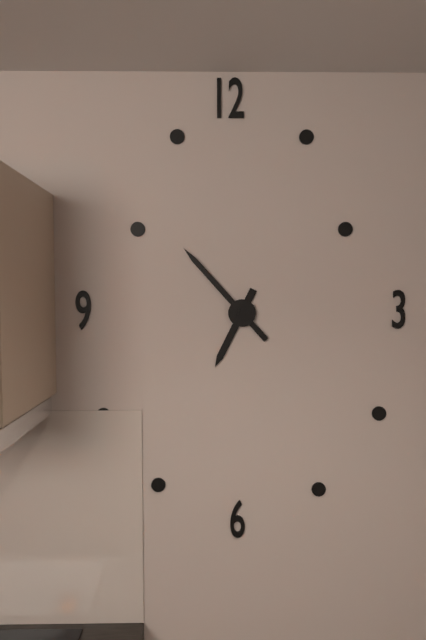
6:53
